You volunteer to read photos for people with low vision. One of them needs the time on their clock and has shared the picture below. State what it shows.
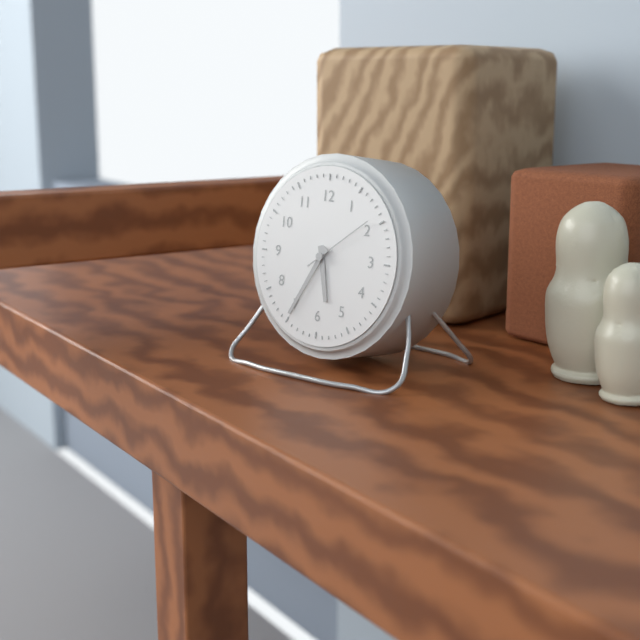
5:35:09
